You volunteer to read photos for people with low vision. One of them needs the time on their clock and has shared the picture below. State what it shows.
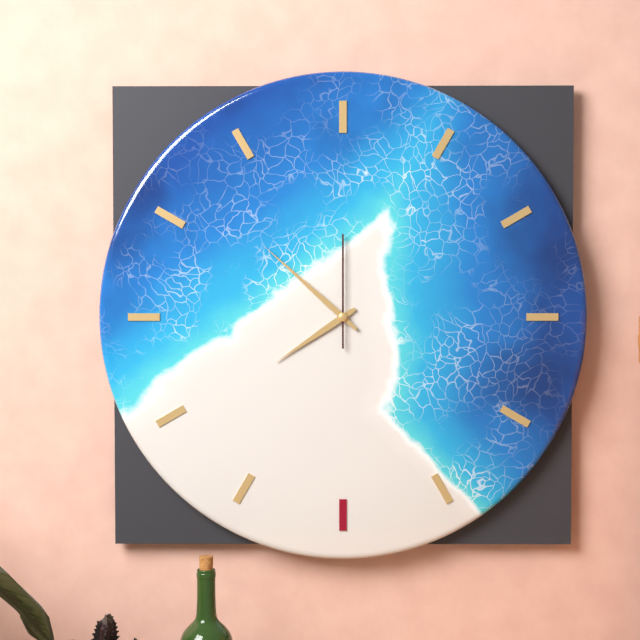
7:52:00
